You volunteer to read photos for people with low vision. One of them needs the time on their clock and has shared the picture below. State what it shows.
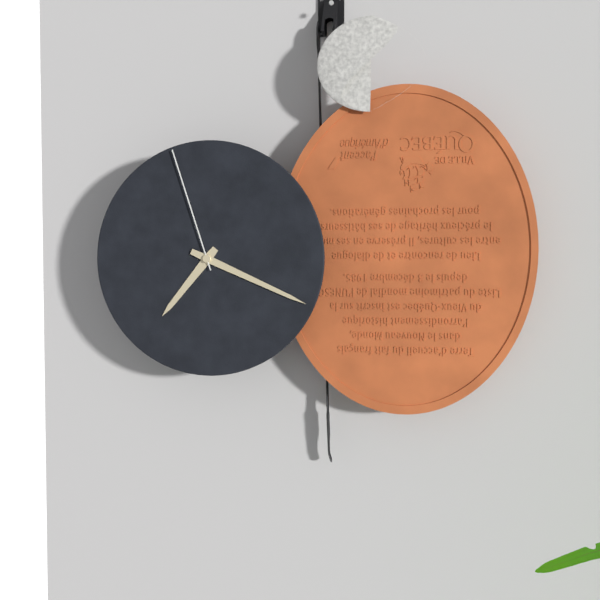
7:19:57
